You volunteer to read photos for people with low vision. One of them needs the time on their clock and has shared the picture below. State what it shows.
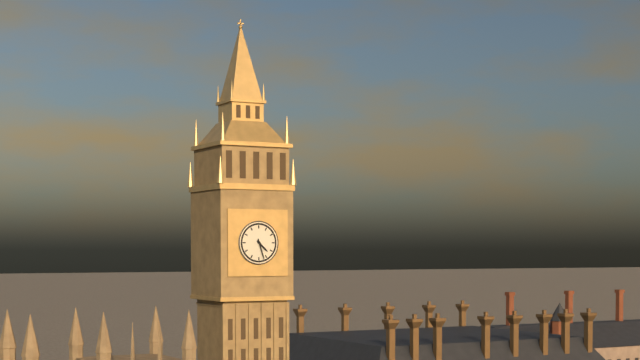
4:27
